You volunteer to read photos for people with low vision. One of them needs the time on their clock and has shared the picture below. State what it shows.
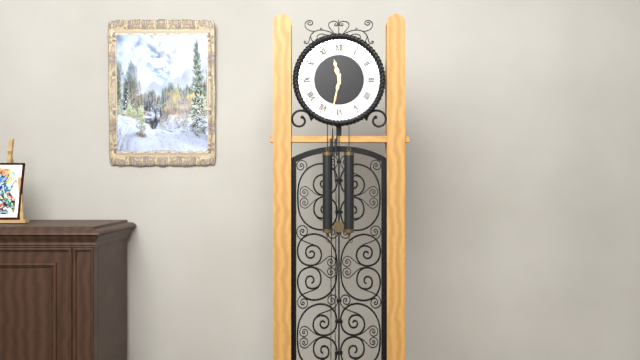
11:32
